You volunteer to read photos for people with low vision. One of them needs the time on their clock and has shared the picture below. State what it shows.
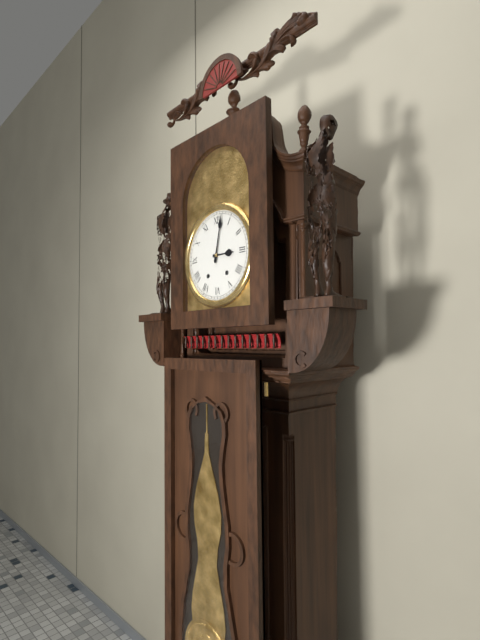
3:02
